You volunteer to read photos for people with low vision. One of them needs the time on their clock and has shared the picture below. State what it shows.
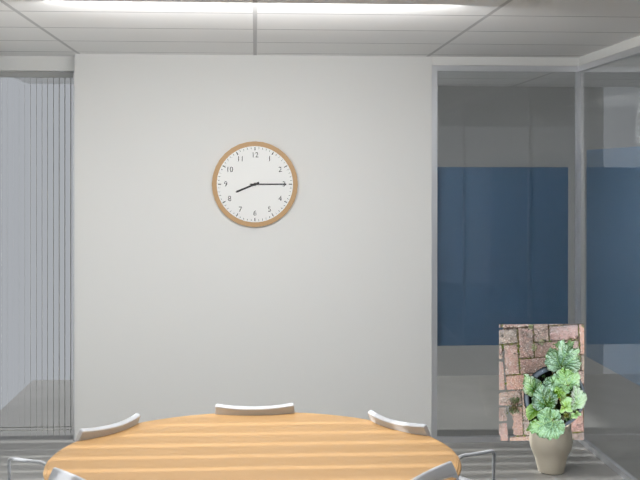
8:15
